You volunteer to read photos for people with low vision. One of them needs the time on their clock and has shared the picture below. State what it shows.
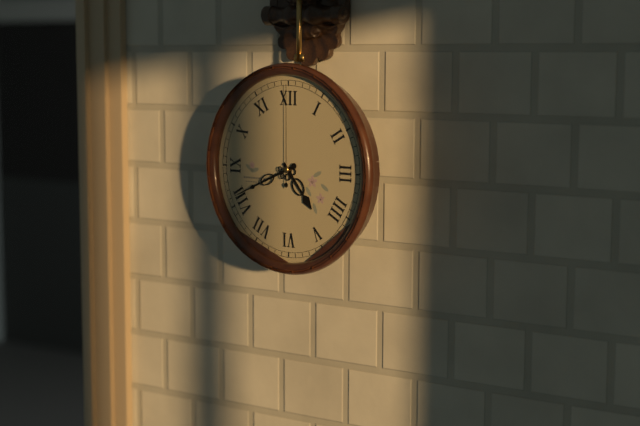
4:41:00
